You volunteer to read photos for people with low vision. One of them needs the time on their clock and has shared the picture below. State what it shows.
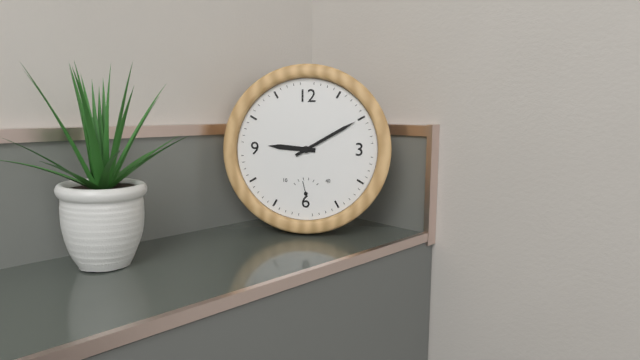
9:10
